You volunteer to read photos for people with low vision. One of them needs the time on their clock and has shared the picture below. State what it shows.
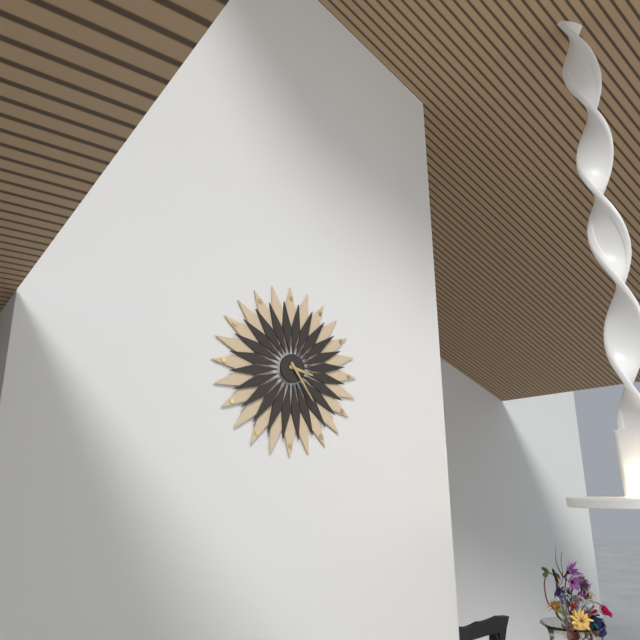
3:24
